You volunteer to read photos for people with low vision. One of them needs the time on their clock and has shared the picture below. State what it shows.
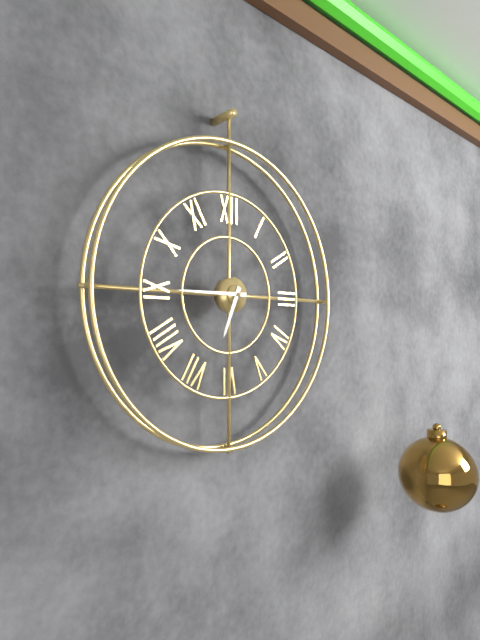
6:45
